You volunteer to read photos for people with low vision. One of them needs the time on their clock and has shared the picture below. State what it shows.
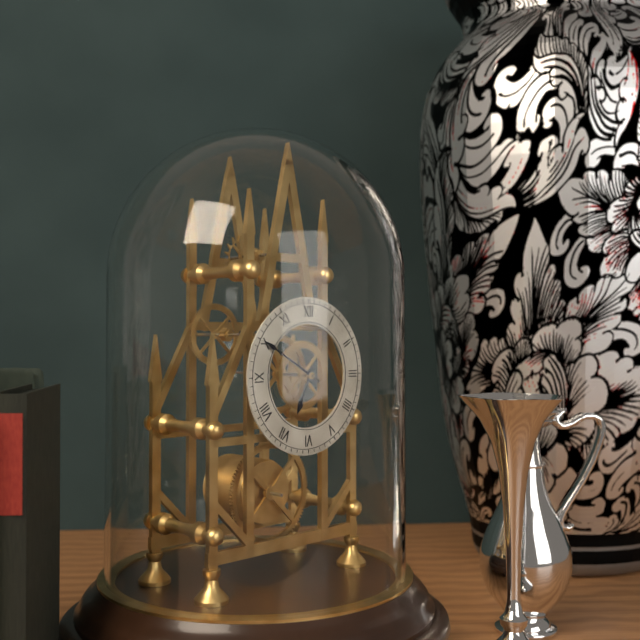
6:50
